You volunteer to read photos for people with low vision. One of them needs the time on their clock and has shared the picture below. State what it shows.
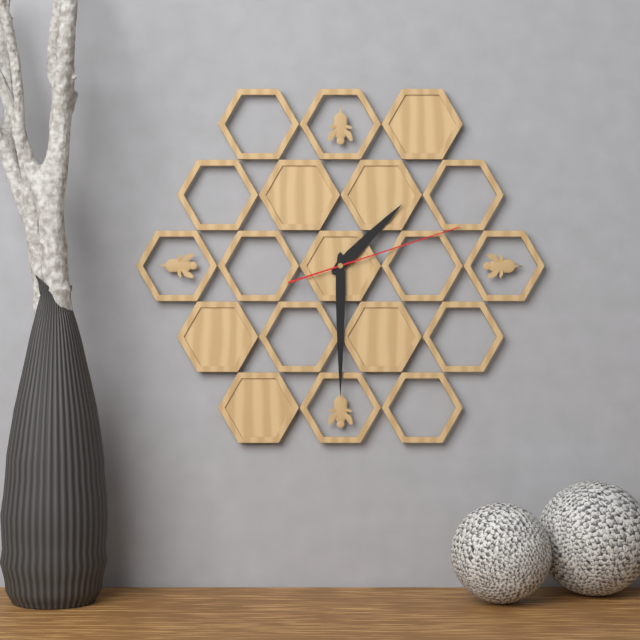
1:30:12
